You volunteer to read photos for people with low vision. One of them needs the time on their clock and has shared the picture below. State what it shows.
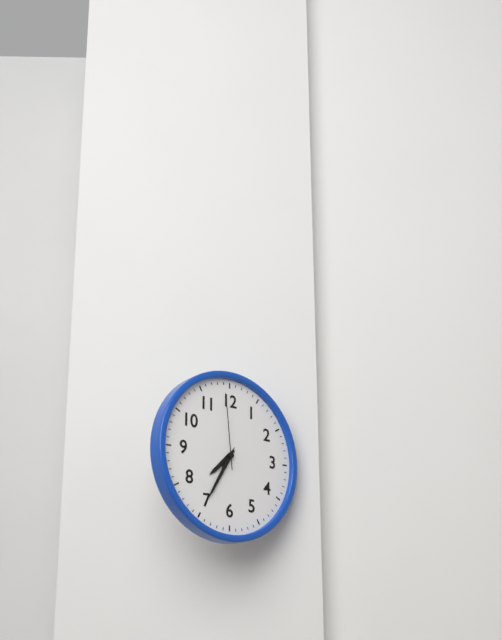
7:35:59
